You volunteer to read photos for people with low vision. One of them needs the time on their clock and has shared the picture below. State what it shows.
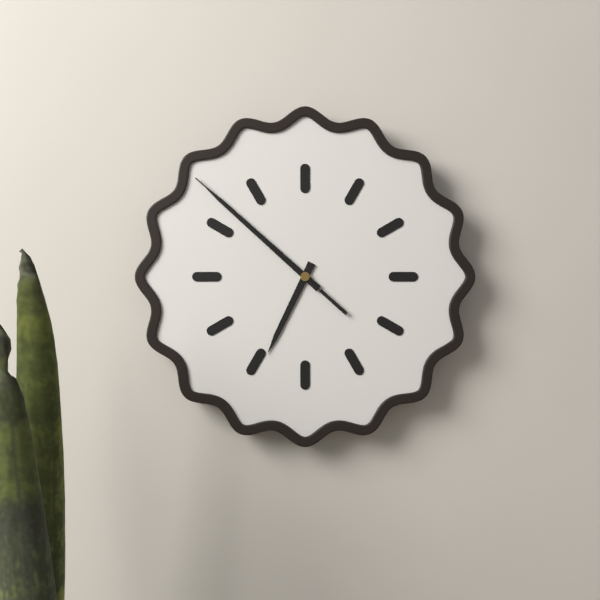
6:52:52
